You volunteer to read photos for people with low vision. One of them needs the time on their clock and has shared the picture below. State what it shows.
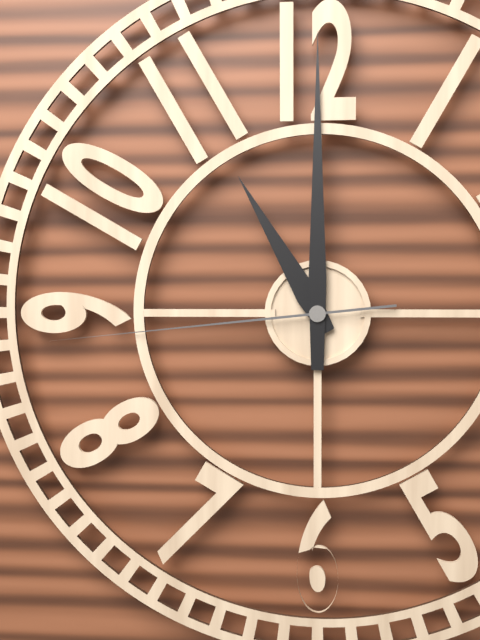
11:00:44
